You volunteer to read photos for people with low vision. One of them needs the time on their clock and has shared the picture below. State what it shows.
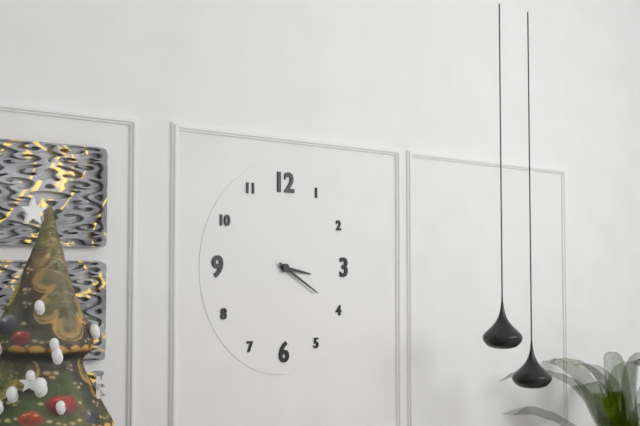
3:20
